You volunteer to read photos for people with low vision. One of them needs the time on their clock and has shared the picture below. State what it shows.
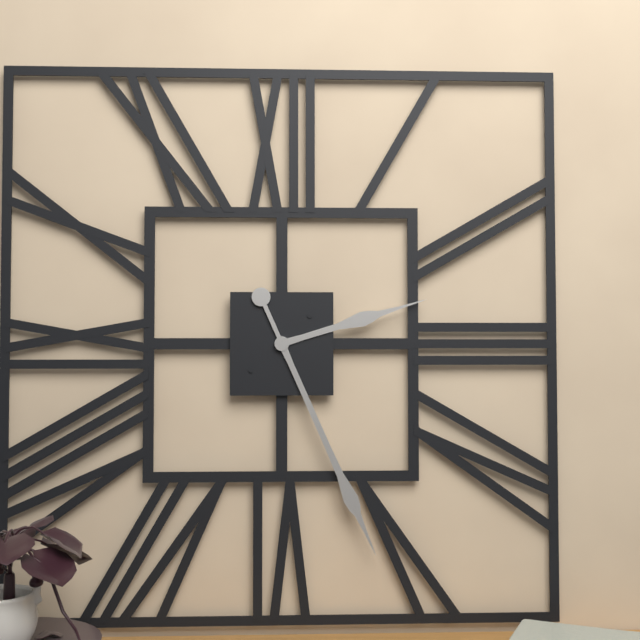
2:26
